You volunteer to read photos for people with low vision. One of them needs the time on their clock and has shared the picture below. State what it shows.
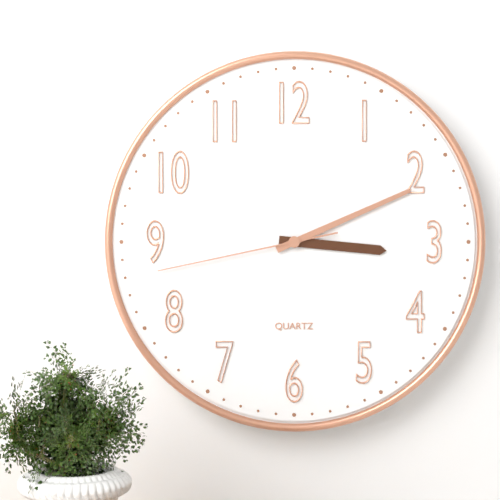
3:11:43
